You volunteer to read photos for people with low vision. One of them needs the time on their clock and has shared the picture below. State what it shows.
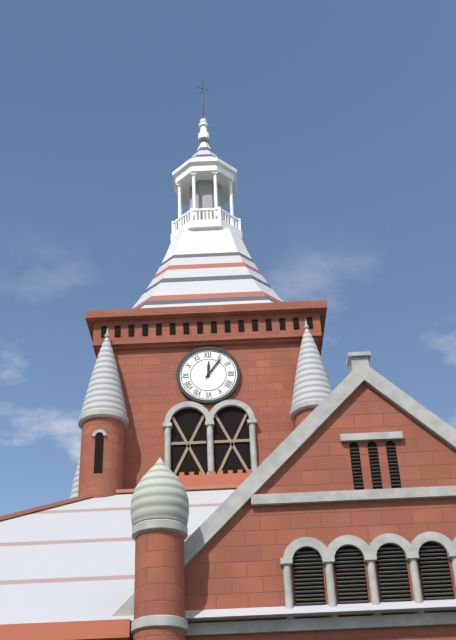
12:06
